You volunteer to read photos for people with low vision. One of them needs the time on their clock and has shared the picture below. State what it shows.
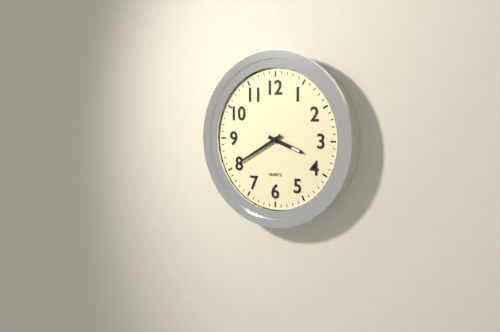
3:40
